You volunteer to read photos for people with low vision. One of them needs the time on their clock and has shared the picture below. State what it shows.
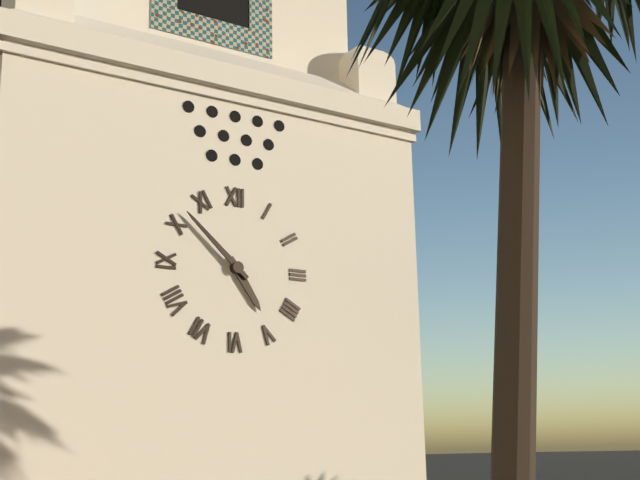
4:52
